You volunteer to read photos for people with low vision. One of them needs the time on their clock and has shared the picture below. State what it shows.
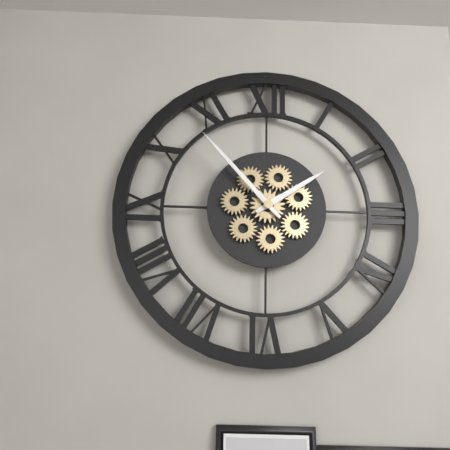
1:53
